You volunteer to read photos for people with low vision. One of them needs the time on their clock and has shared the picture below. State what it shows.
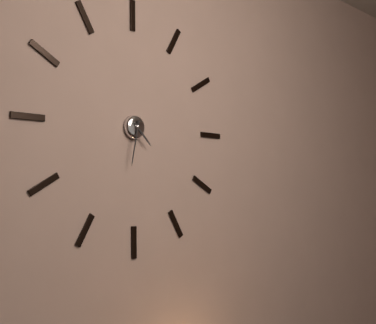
4:32
